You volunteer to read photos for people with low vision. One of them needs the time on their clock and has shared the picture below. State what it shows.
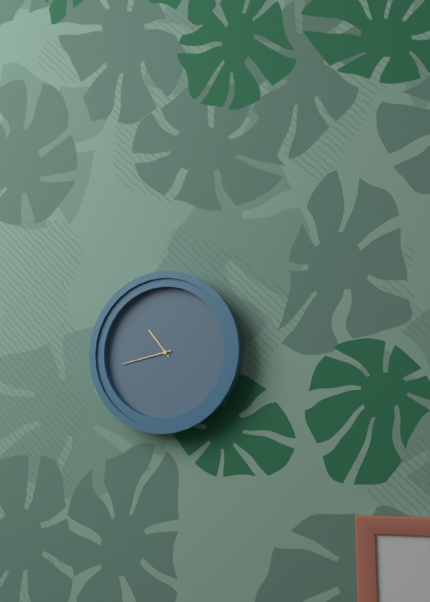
10:43
